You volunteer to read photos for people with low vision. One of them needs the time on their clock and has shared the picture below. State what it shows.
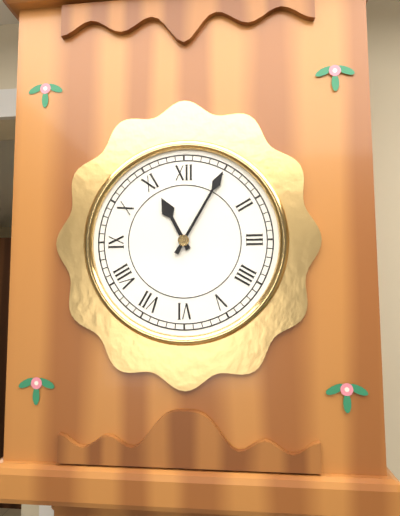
11:05
